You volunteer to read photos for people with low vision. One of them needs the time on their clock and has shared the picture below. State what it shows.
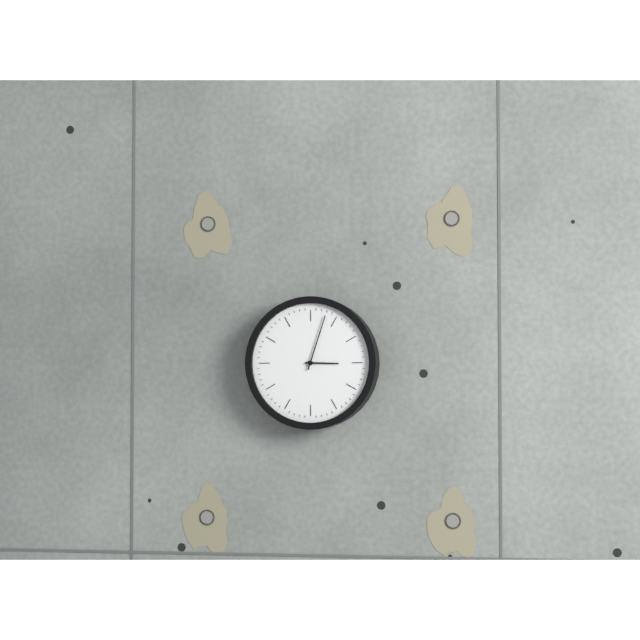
3:03
